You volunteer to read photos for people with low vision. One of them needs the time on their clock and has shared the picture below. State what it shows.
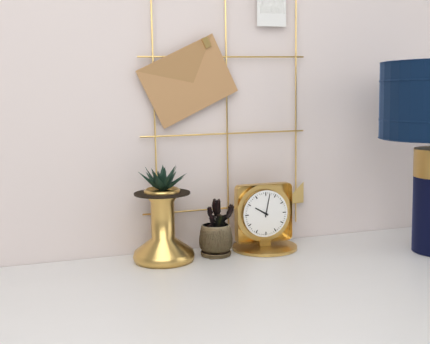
10:02
